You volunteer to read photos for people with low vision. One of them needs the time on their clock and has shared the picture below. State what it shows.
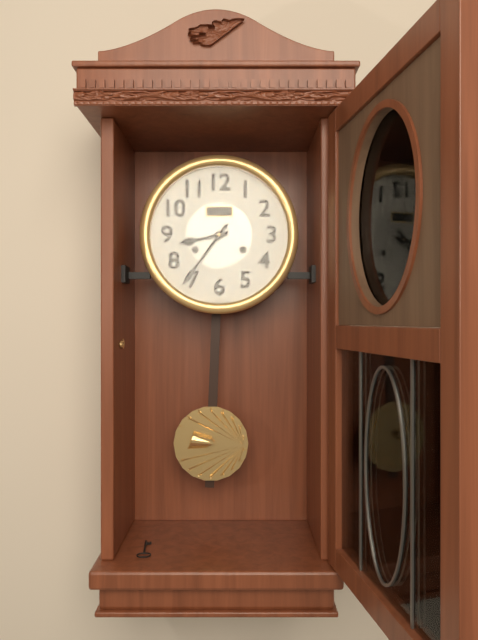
8:36
